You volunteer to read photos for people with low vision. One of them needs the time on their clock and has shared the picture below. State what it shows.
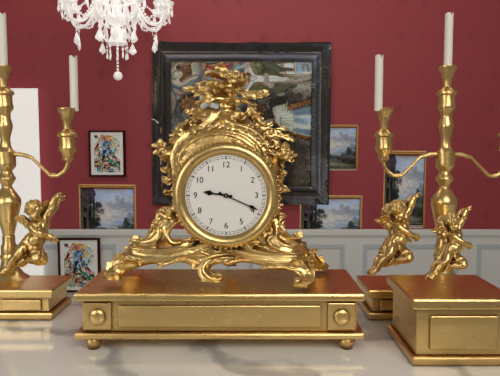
9:19
